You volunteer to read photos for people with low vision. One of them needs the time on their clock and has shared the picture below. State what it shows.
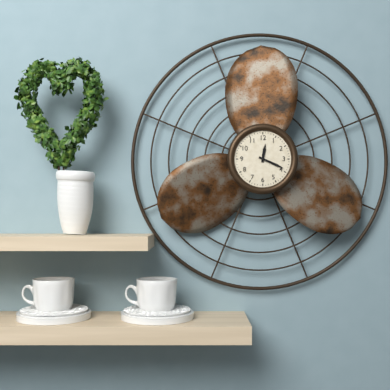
12:19
